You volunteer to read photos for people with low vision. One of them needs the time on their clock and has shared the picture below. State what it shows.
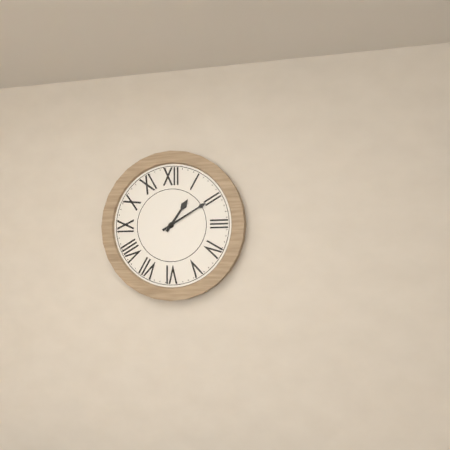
1:10
